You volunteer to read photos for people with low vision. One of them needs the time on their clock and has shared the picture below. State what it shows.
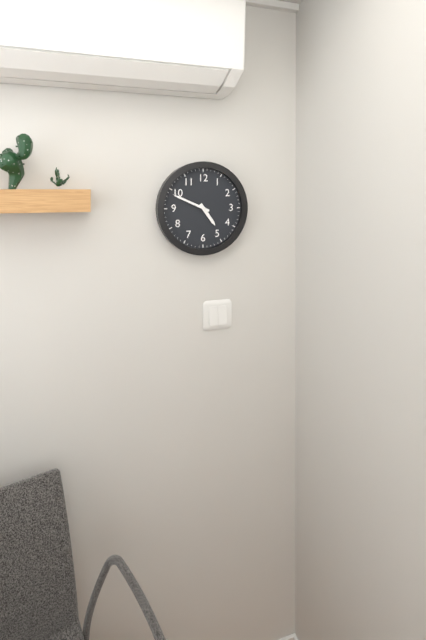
4:49
